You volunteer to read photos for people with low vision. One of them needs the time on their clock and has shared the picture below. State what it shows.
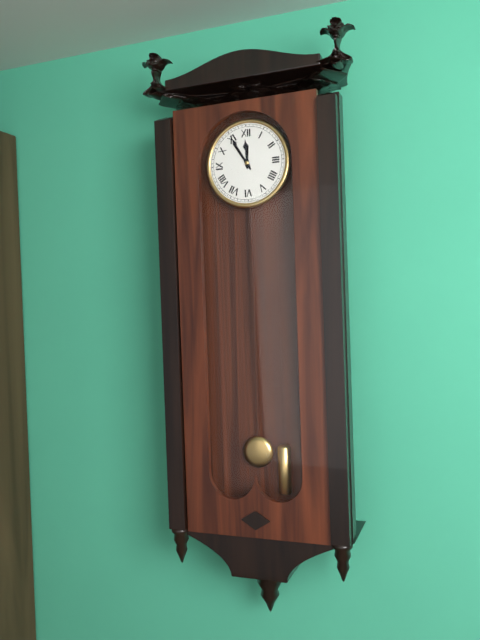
11:55
